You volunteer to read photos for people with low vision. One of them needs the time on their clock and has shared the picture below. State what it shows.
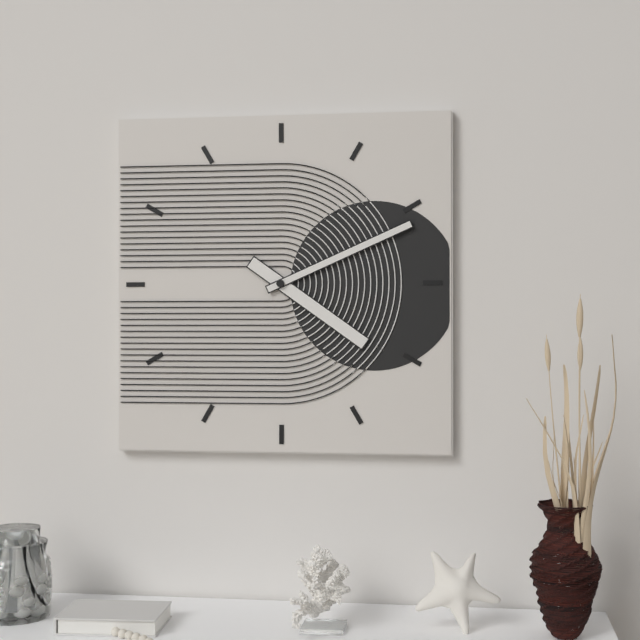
4:11
